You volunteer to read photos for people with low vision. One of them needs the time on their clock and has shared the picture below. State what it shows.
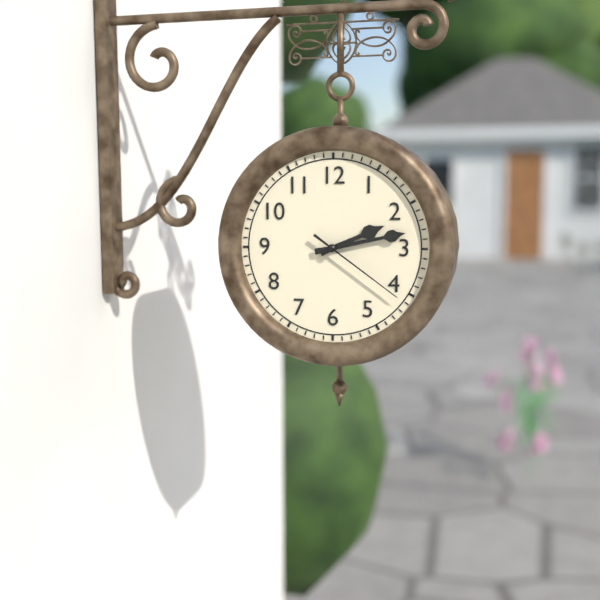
2:13:21
